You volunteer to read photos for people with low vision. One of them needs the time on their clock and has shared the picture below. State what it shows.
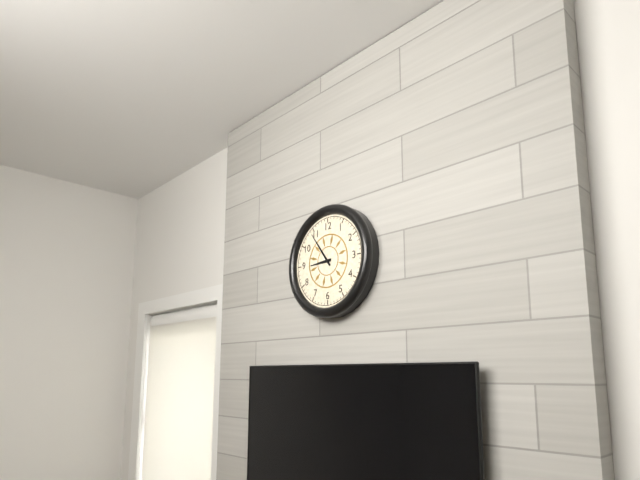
8:54
